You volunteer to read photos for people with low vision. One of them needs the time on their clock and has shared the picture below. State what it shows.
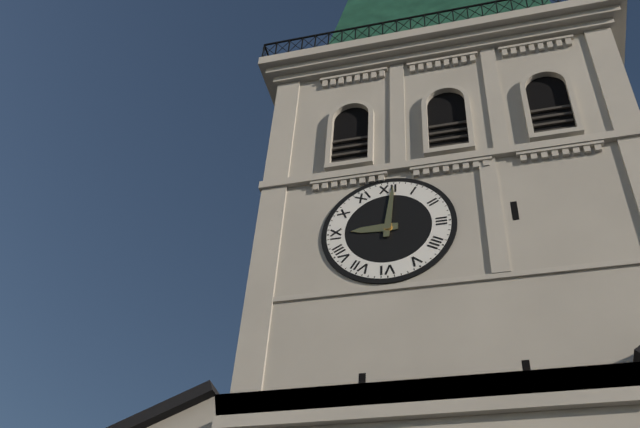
9:01
